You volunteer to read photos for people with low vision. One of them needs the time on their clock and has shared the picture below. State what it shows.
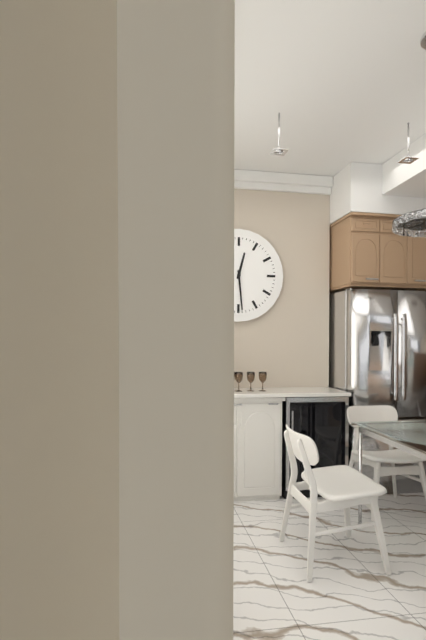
12:29
